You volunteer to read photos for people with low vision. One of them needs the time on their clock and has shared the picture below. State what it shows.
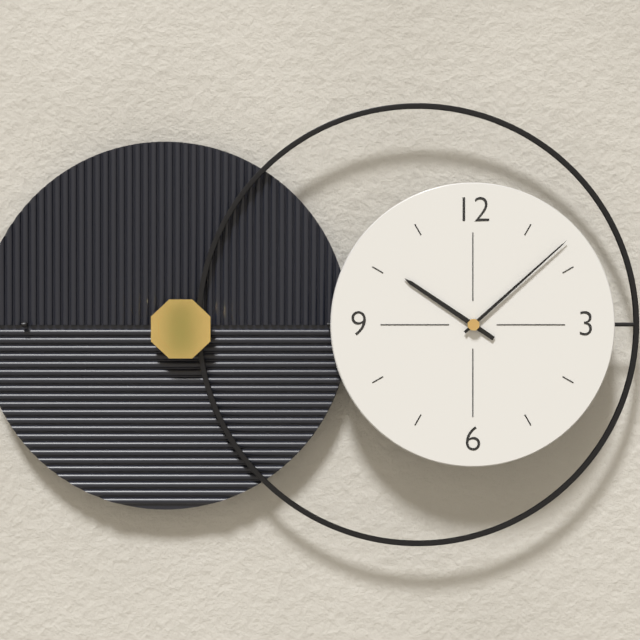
10:08
